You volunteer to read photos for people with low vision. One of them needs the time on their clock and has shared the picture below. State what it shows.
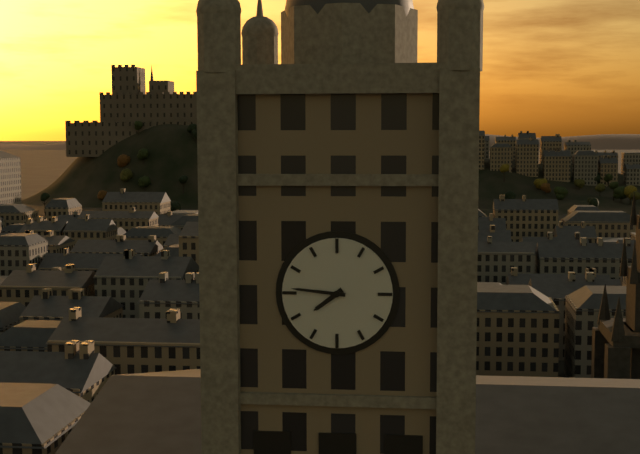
7:46
